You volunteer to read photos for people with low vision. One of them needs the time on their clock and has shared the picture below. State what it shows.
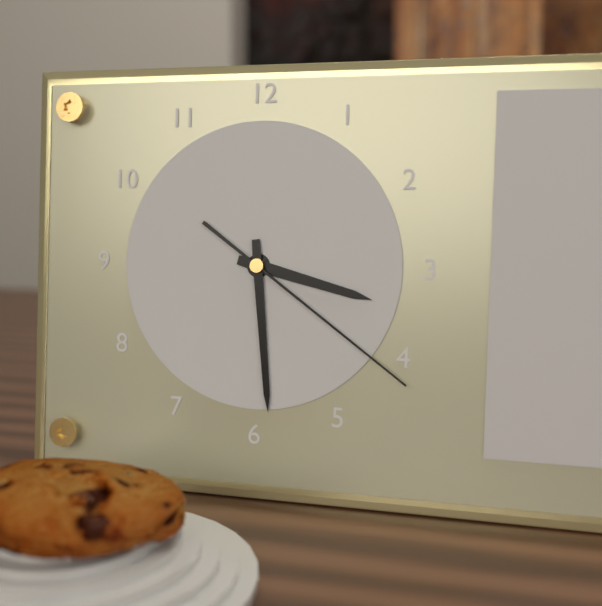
3:29:21
